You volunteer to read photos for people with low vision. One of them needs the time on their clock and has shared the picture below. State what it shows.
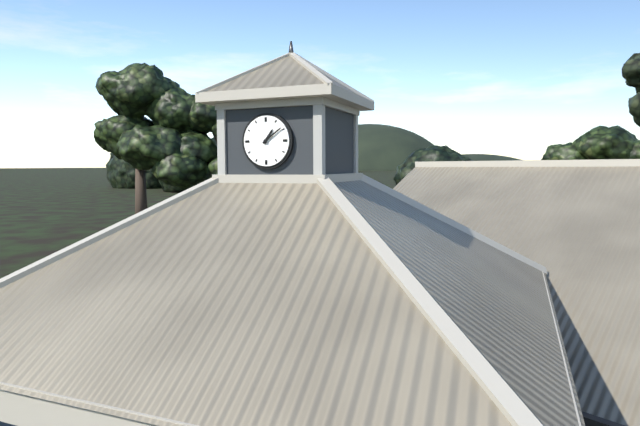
1:09
